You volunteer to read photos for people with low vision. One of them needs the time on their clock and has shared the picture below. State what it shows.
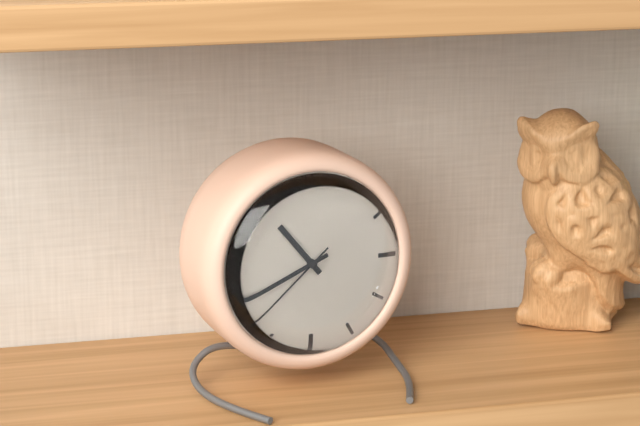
10:41:38
